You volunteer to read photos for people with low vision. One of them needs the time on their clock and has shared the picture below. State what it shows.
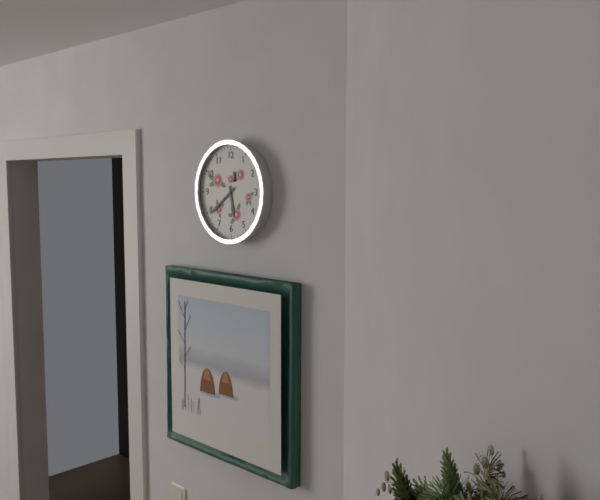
5:39
